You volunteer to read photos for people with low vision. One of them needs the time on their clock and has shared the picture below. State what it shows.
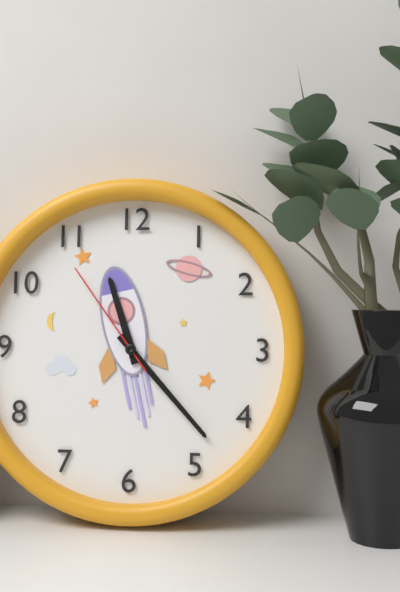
11:23:54
